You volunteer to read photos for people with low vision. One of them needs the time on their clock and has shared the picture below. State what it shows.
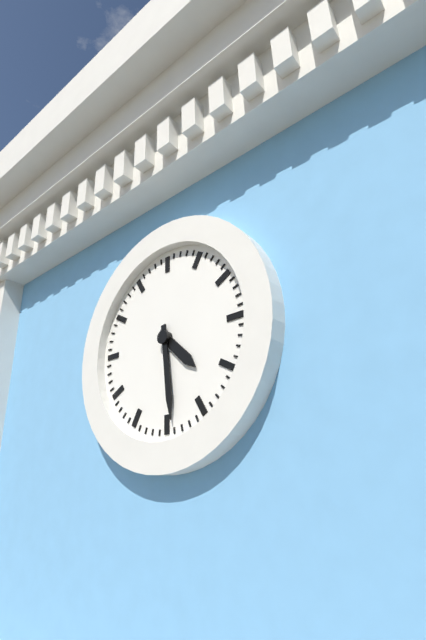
4:29
